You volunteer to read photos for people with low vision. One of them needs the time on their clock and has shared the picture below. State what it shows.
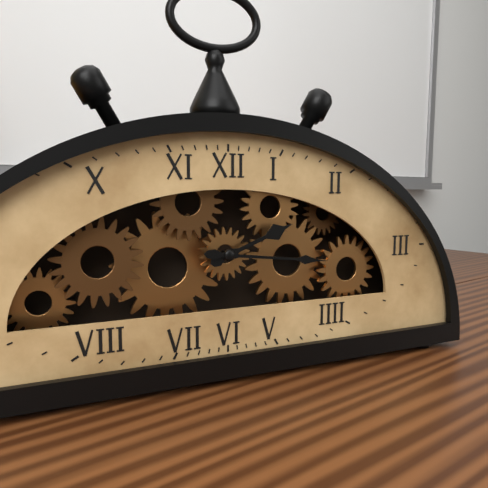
2:16
